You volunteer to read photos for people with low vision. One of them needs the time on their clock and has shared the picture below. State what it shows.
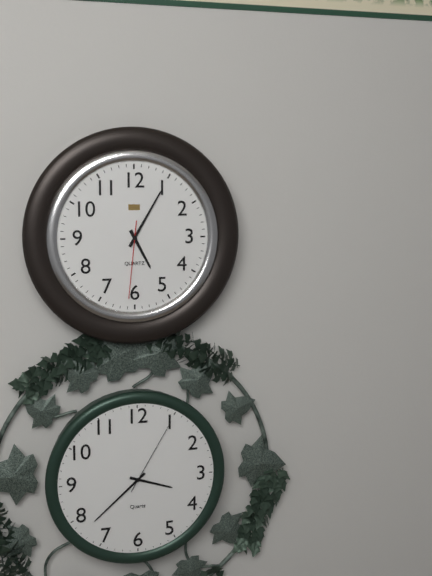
5:05:31
